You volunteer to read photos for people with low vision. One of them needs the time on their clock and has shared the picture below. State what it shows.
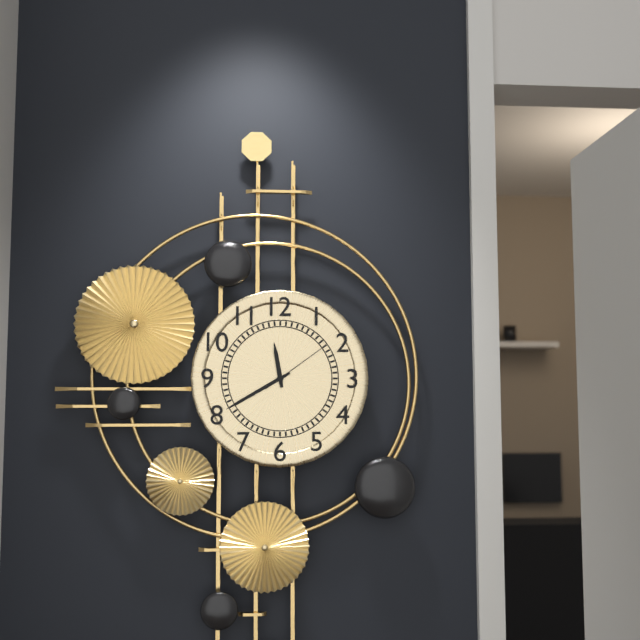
11:40:09
